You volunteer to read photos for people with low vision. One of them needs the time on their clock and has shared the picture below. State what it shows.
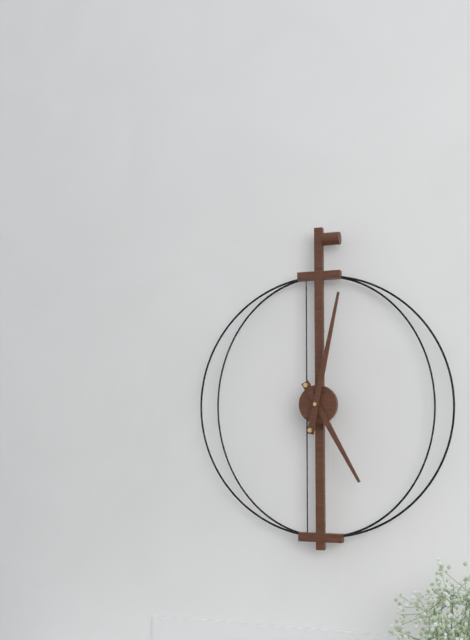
5:02
